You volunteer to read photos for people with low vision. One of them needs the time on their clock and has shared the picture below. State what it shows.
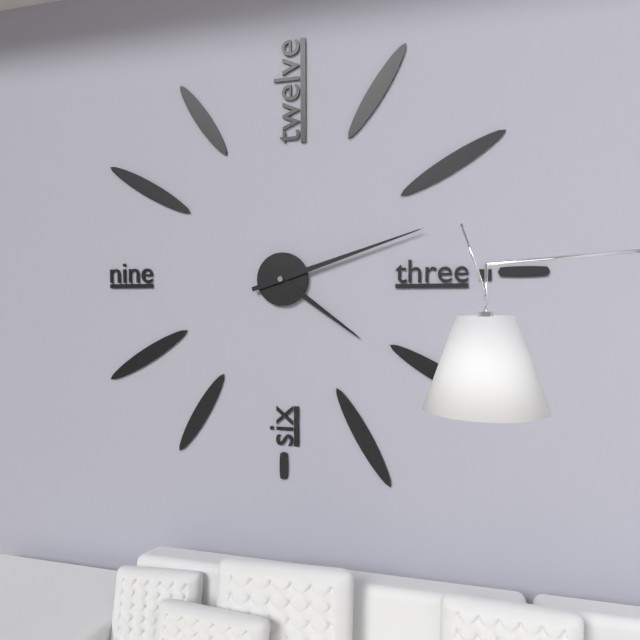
4:12
